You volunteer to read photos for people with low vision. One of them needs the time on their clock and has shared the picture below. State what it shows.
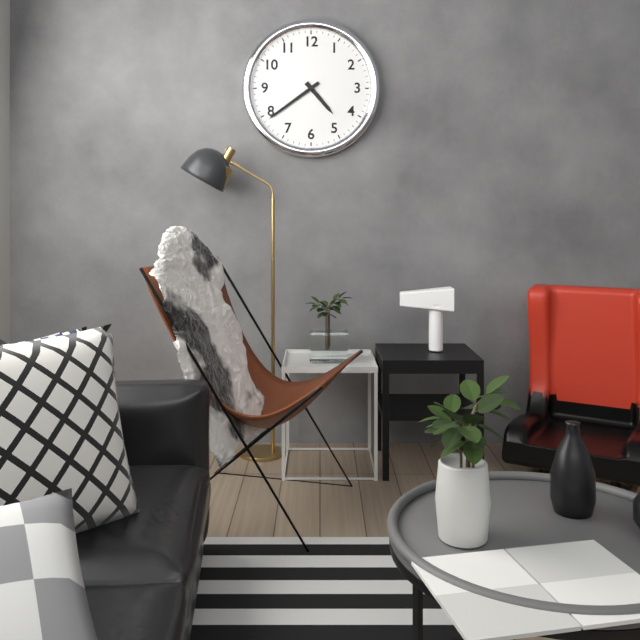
4:39
